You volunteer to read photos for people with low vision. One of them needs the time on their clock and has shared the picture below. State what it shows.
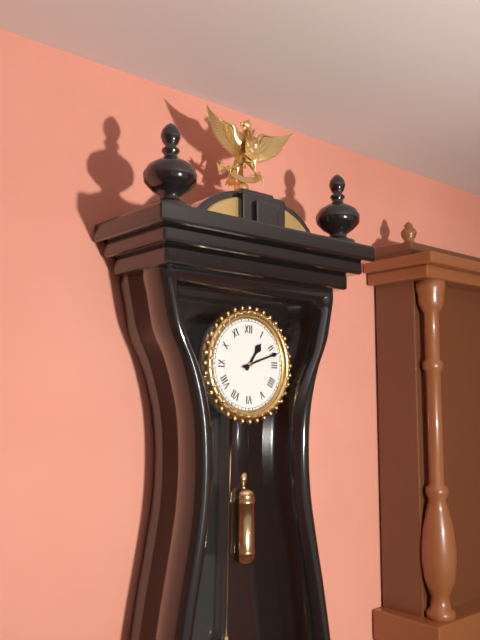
1:12
